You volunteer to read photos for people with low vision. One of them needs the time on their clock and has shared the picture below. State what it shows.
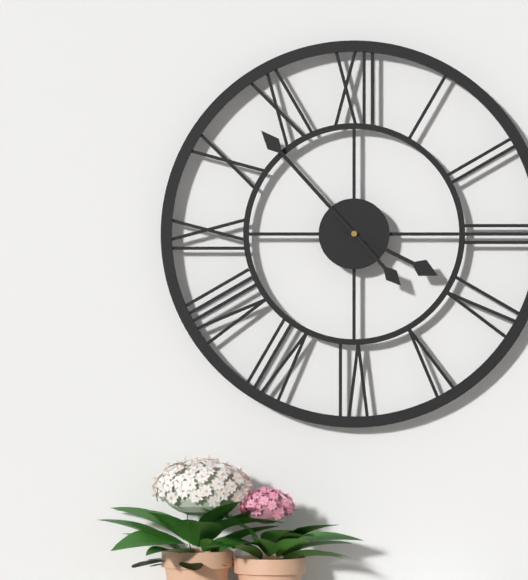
3:53
